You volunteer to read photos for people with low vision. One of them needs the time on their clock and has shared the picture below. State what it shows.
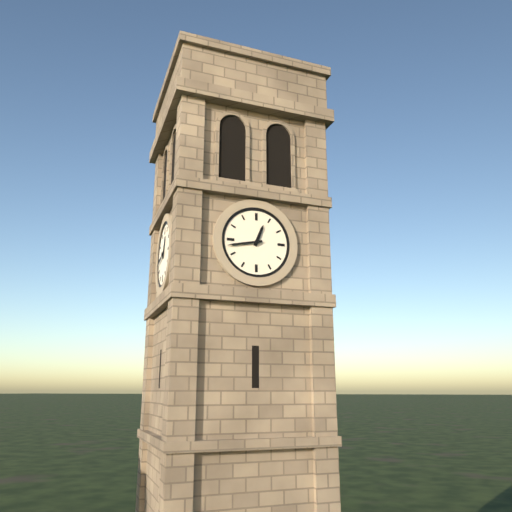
12:43
